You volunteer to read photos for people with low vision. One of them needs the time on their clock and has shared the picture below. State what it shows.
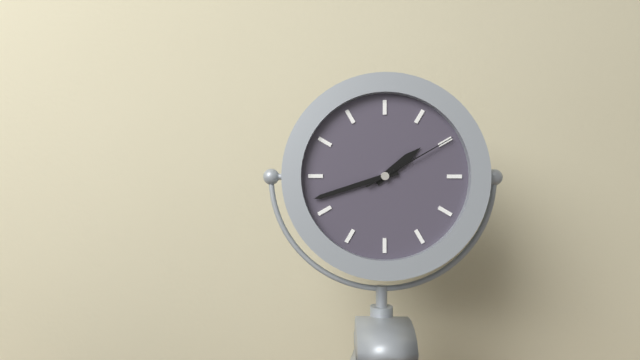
1:42:10
